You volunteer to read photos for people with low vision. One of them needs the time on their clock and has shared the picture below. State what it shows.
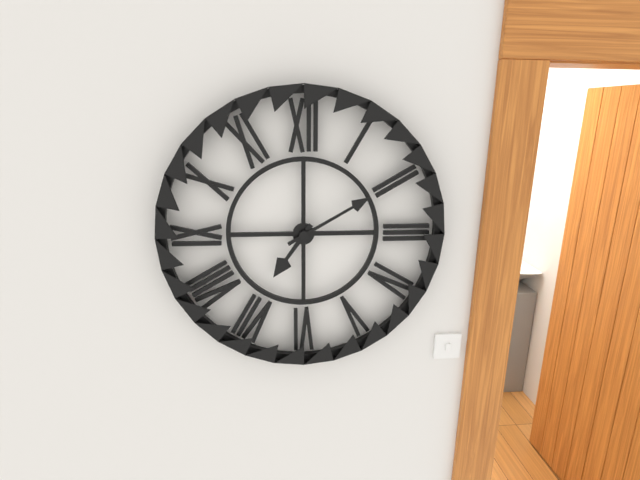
7:10
